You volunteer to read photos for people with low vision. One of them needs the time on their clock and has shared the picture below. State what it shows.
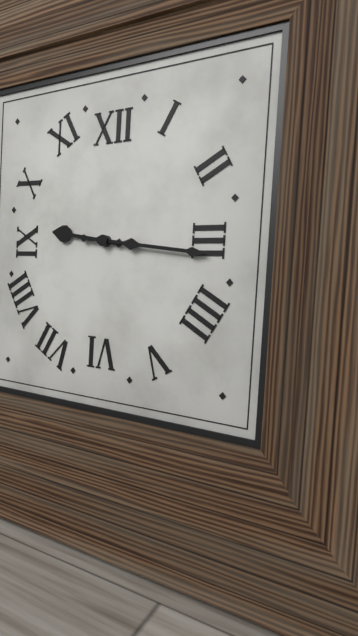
9:16
